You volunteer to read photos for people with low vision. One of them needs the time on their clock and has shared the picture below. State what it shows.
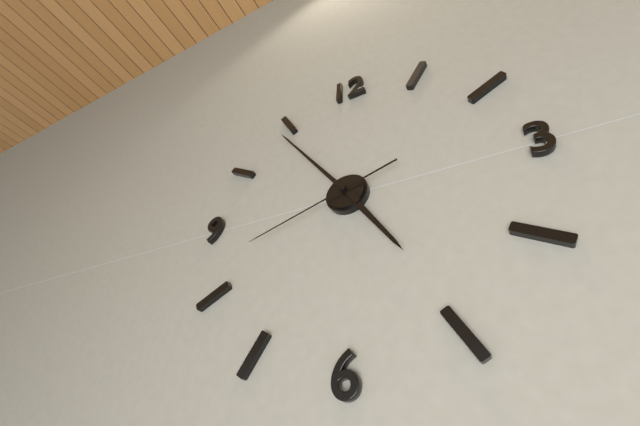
4:54:42
